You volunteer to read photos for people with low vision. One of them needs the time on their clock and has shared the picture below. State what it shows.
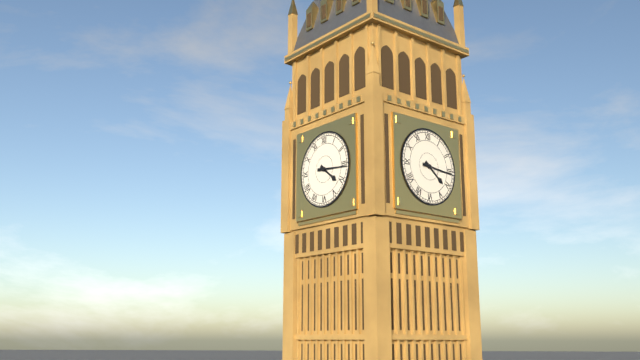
4:16
